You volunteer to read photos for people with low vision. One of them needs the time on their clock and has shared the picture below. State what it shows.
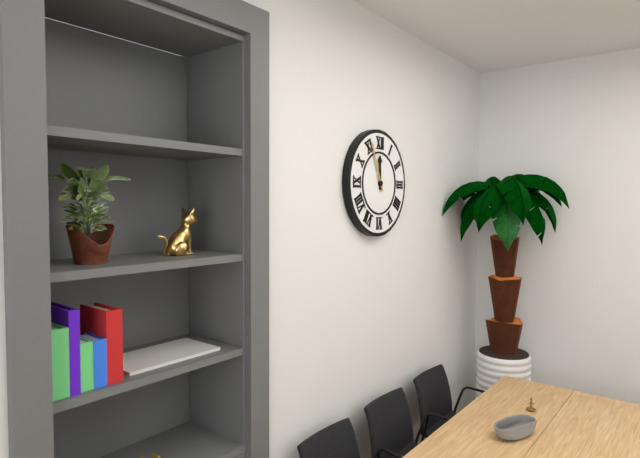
11:56
